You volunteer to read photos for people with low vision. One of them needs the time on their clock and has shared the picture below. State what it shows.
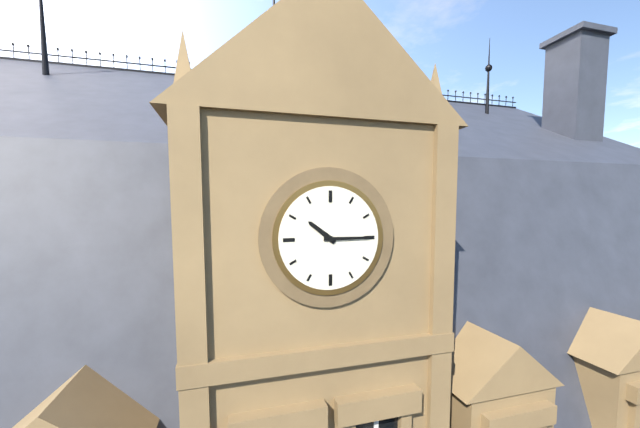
10:15
